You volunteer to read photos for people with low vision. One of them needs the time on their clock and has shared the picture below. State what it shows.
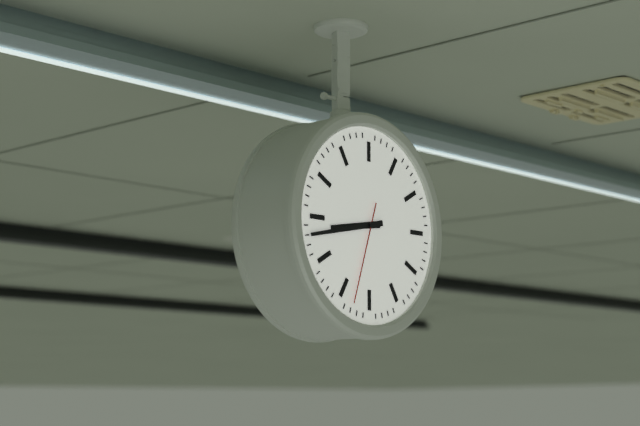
8:43:33
